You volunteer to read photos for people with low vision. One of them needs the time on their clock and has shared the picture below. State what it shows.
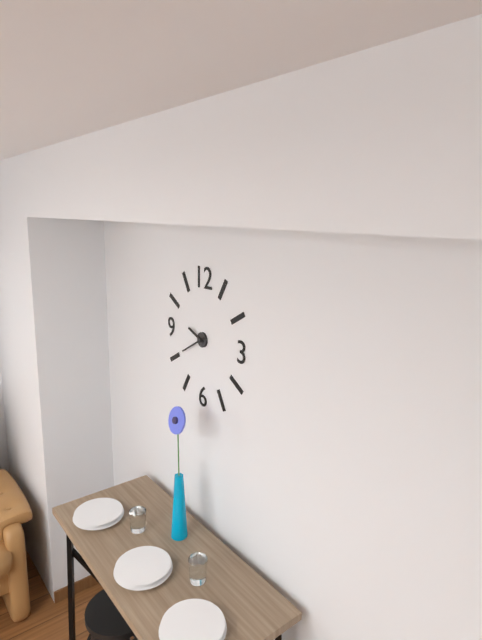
9:40
